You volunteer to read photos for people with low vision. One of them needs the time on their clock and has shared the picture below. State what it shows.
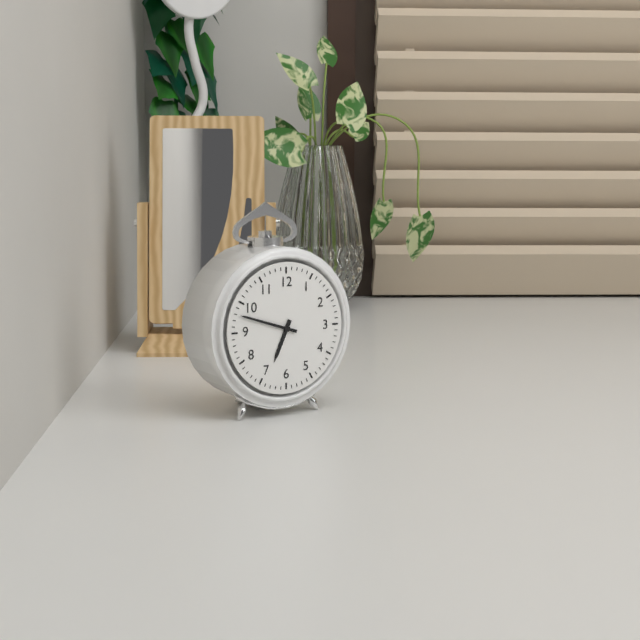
6:48
